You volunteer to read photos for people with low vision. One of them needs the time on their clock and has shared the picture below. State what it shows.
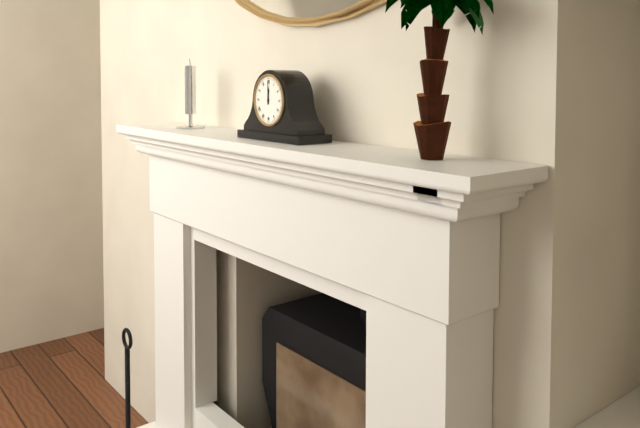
12:00
